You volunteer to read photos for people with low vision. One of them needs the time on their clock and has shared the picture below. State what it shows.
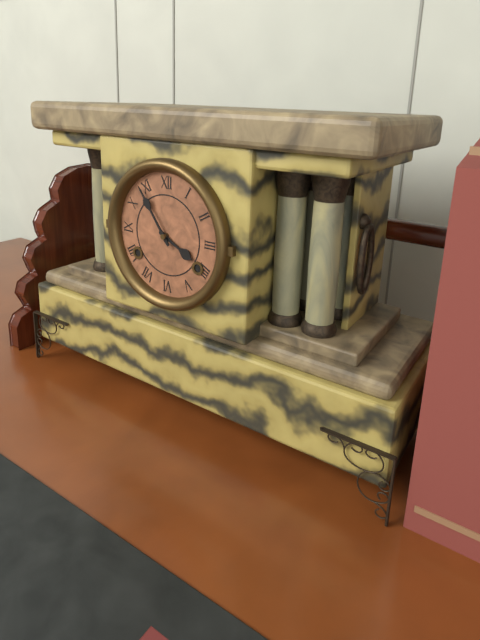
3:54
